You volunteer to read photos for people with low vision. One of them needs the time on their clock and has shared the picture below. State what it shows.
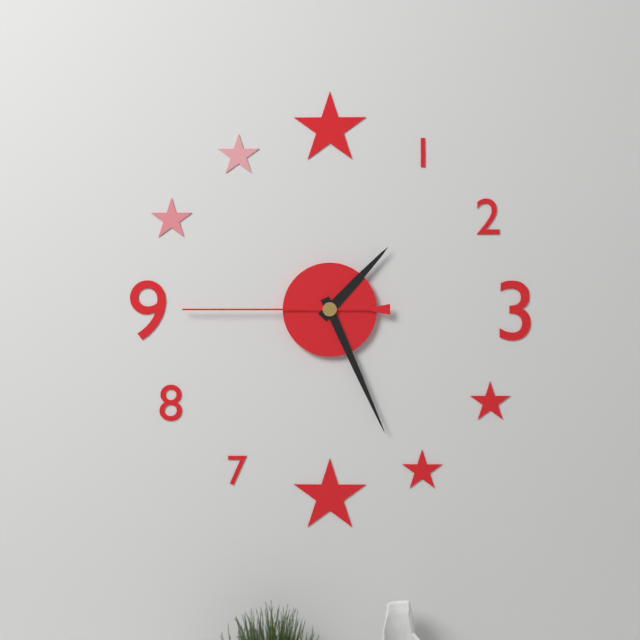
1:26:45
